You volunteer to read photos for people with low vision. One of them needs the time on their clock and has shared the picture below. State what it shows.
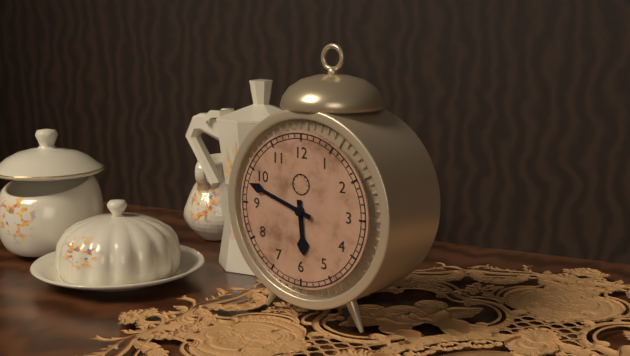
5:48
